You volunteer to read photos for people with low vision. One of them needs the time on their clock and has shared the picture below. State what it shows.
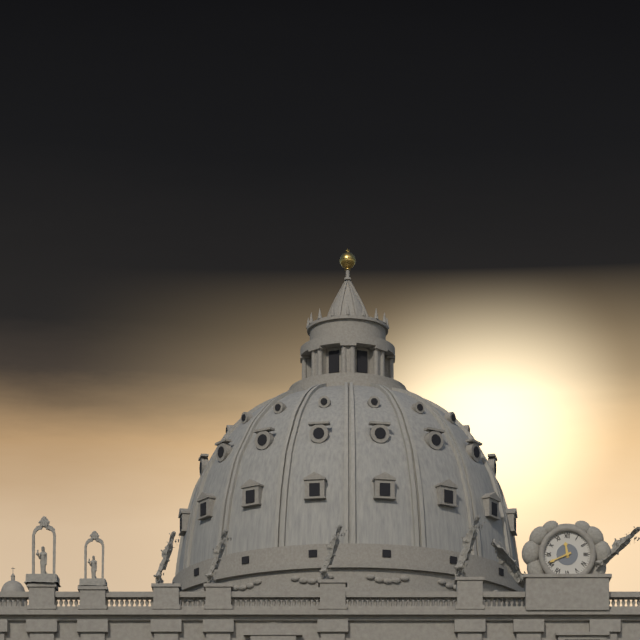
11:41
